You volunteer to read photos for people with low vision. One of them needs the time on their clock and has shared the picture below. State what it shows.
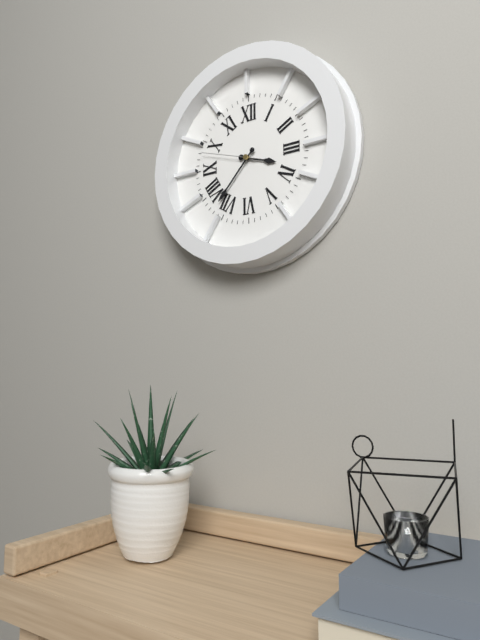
3:37:48
